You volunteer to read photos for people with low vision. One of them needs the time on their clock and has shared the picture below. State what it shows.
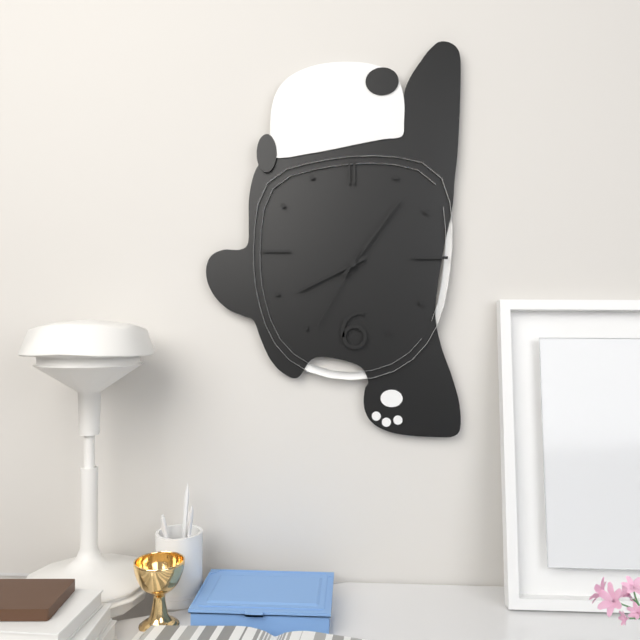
8:06:35
